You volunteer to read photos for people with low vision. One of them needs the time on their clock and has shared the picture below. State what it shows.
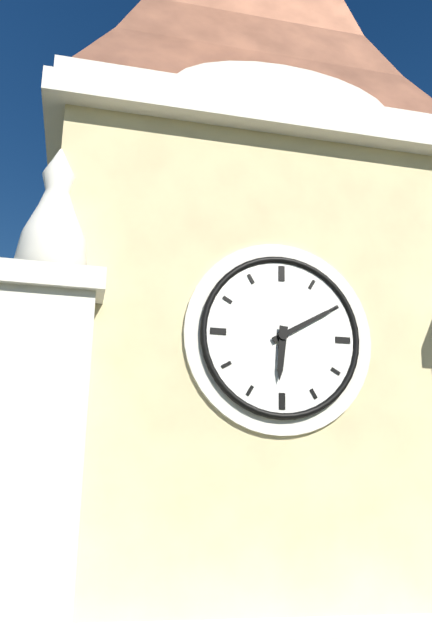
6:10
